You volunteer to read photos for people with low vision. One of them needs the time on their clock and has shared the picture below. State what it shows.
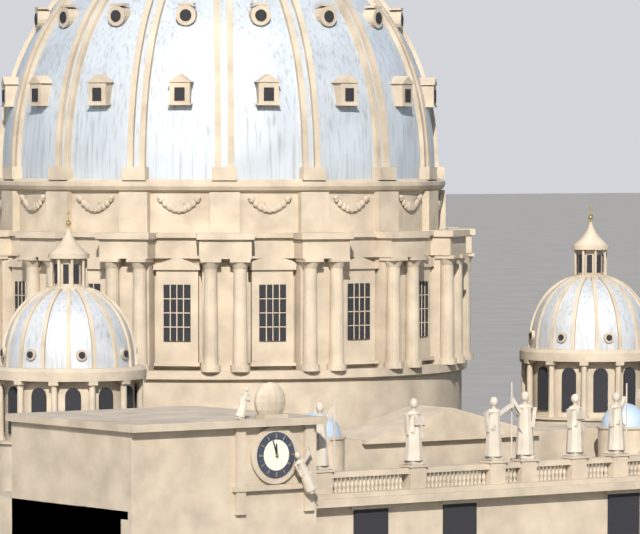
11:57
